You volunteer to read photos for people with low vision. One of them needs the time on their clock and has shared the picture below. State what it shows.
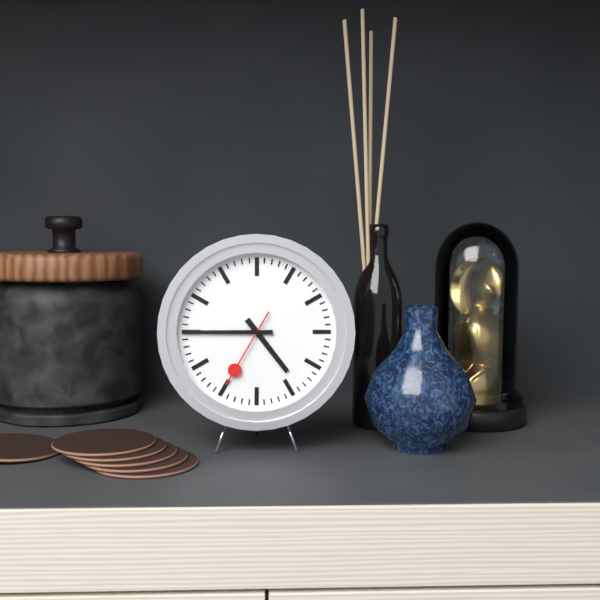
4:45:35
